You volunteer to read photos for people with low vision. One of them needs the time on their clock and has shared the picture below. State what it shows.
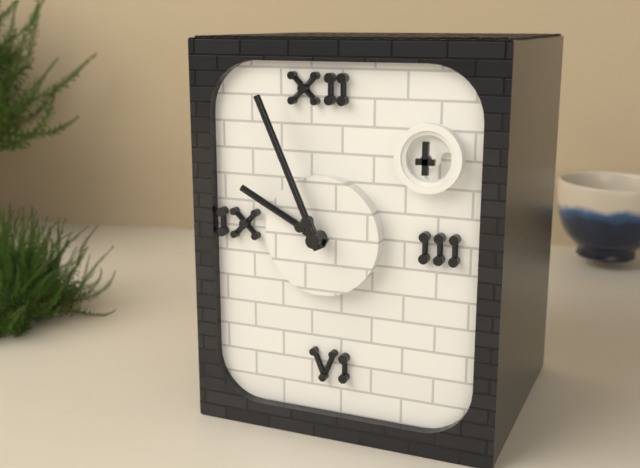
9:56
